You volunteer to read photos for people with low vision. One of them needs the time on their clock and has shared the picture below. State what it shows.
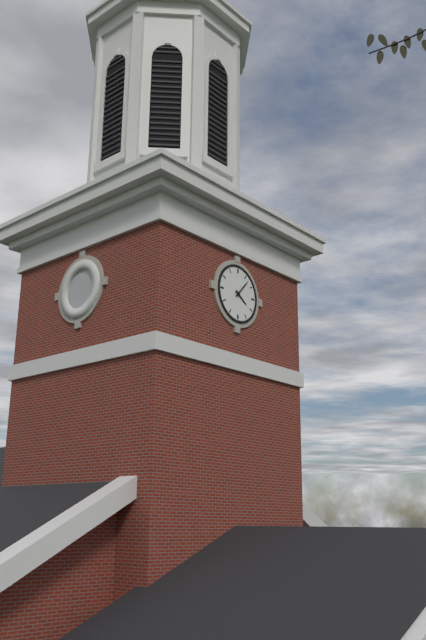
4:07
